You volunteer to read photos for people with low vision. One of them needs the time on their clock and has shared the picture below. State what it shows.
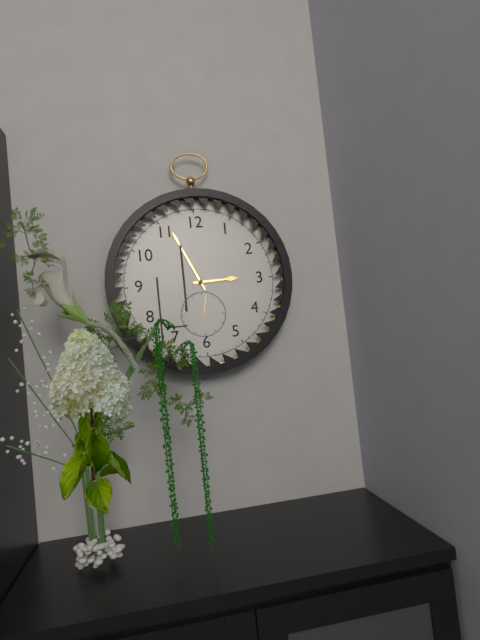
2:56
